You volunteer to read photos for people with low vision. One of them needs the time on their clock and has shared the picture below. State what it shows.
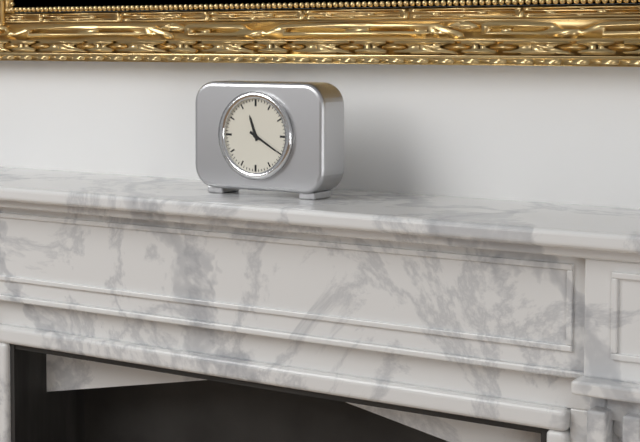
11:20
